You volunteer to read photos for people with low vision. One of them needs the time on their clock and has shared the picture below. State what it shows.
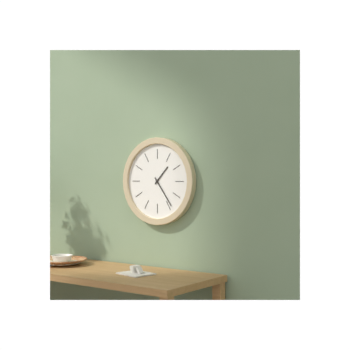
1:24
